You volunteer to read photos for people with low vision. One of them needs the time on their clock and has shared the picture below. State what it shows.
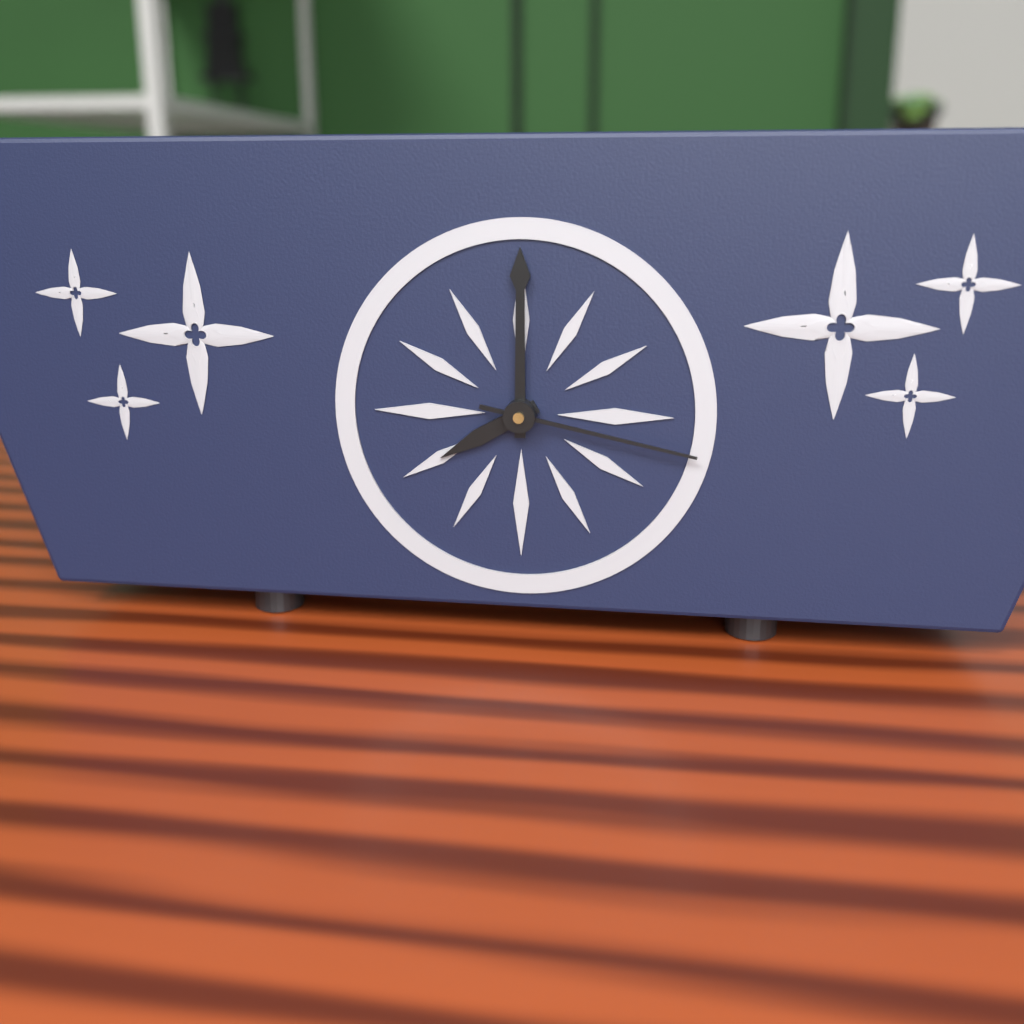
8:00:17
